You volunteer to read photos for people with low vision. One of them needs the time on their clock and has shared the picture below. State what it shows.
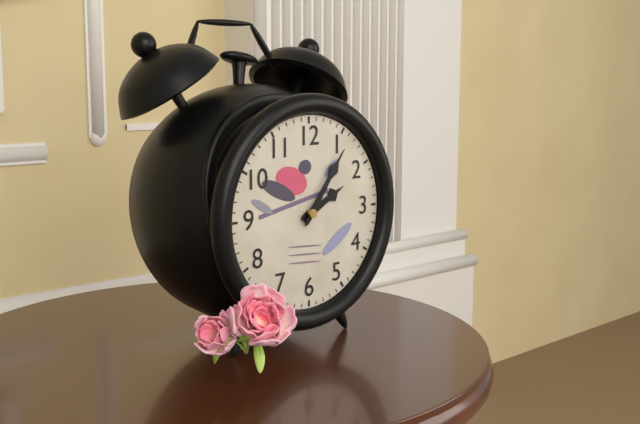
2:06
